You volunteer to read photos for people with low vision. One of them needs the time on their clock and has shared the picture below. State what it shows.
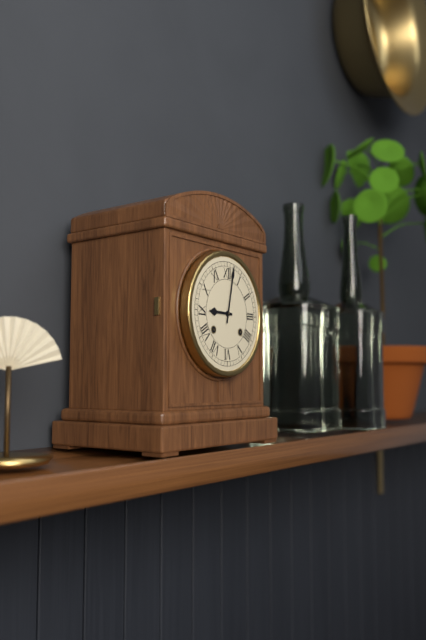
9:02
